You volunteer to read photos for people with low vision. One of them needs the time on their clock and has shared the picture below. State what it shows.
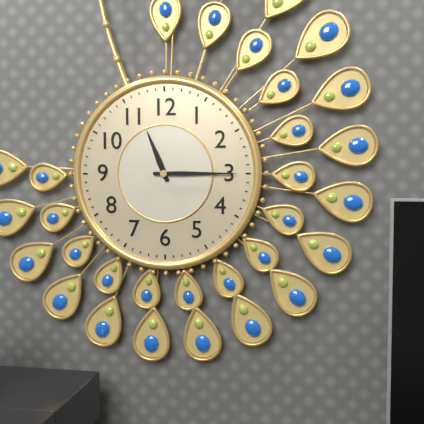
11:15
